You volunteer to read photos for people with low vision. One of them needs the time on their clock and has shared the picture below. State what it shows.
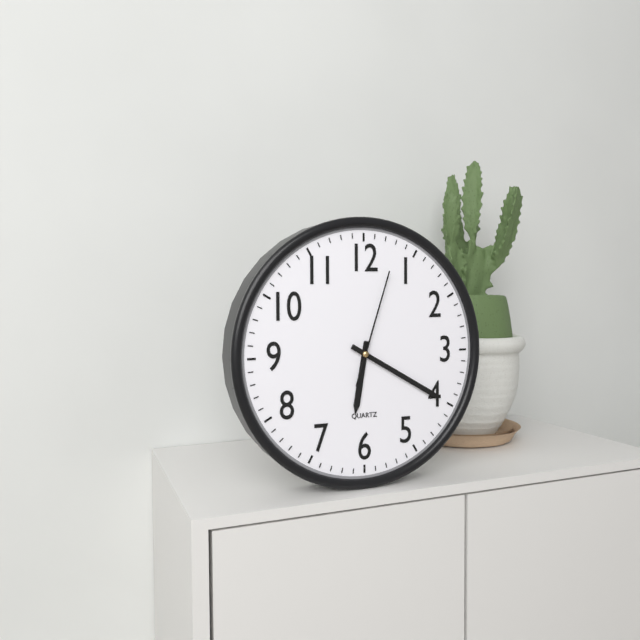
6:20:03
